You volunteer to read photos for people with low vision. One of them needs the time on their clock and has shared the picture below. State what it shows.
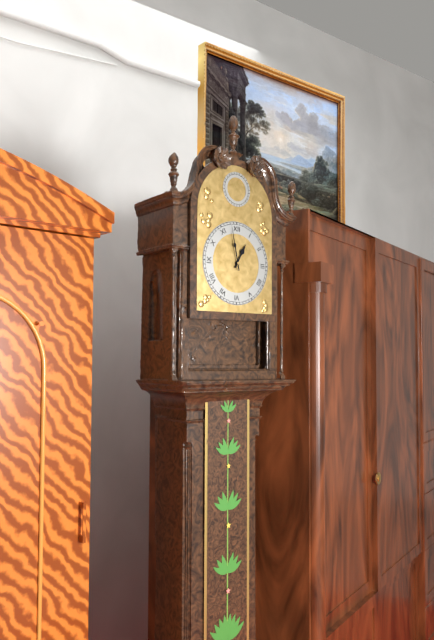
12:58
